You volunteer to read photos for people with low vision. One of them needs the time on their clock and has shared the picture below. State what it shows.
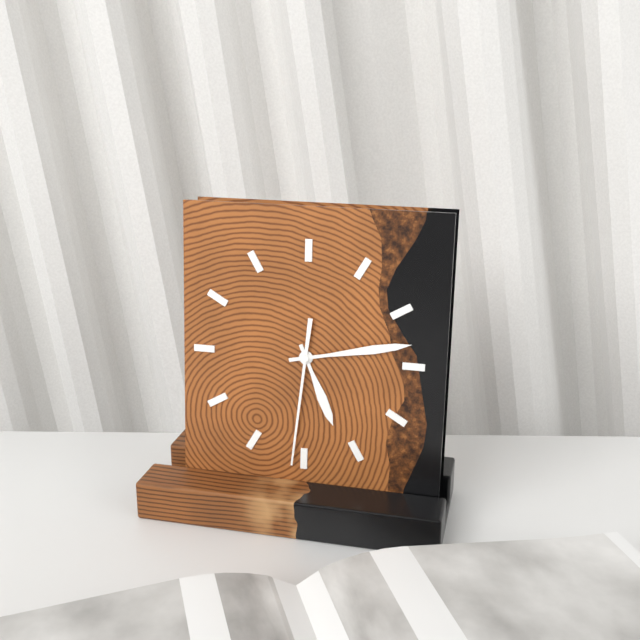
5:13:31
